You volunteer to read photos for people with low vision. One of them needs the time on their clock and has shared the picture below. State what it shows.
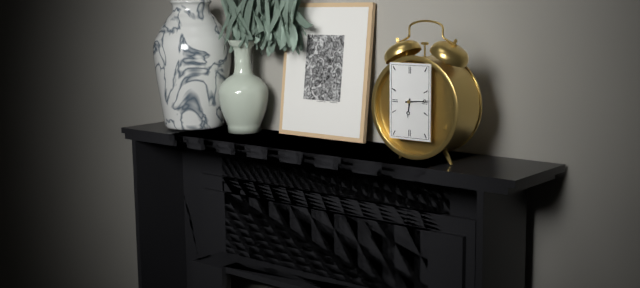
6:14
